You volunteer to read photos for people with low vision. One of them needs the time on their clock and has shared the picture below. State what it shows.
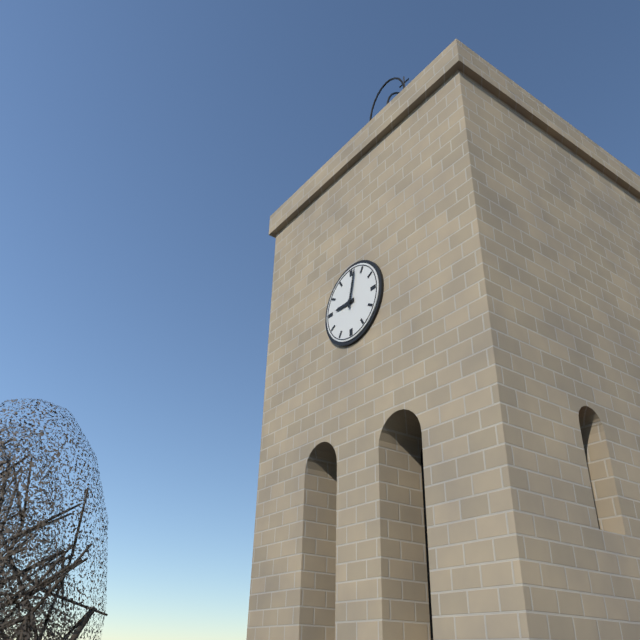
9:02
